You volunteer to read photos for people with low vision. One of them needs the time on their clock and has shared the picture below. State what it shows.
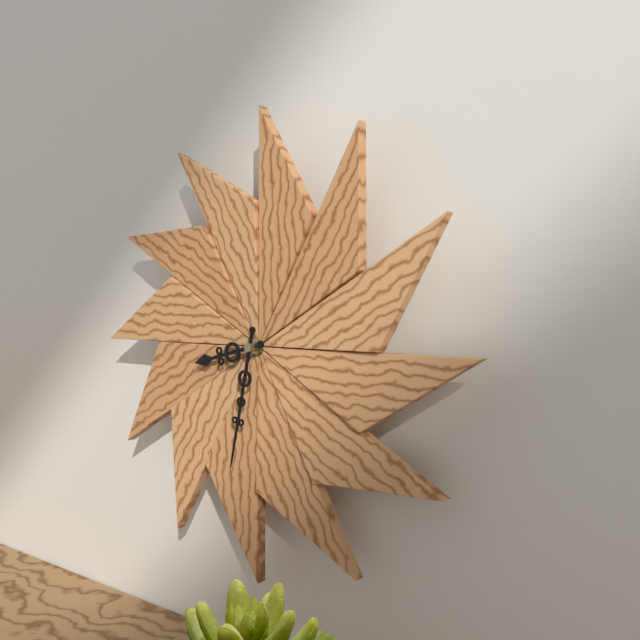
8:32
